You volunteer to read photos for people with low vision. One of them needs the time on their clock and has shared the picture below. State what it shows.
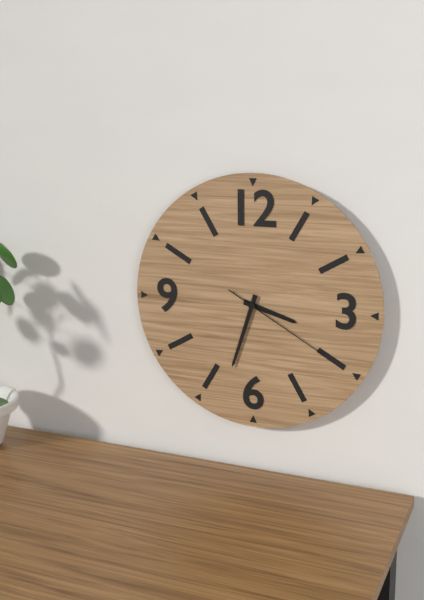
3:33:20
